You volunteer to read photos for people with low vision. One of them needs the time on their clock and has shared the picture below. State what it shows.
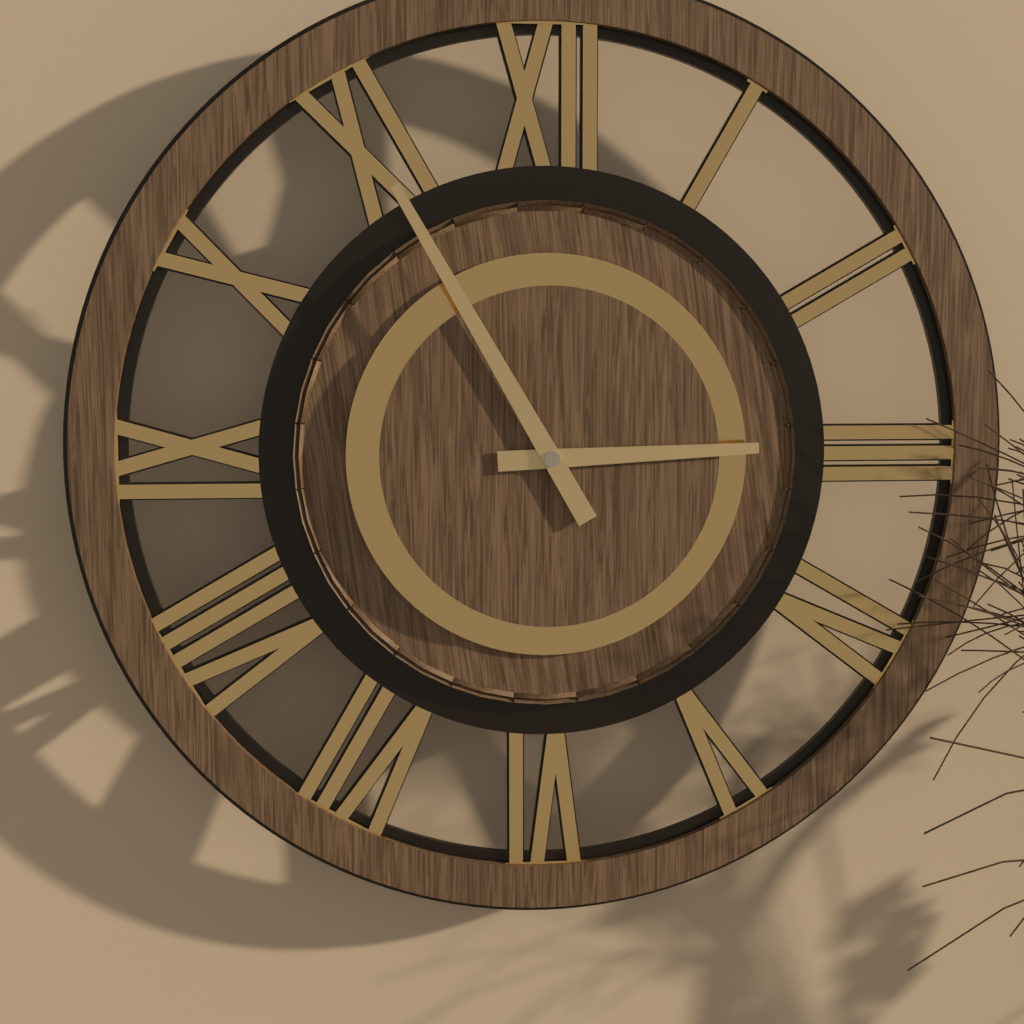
2:55
